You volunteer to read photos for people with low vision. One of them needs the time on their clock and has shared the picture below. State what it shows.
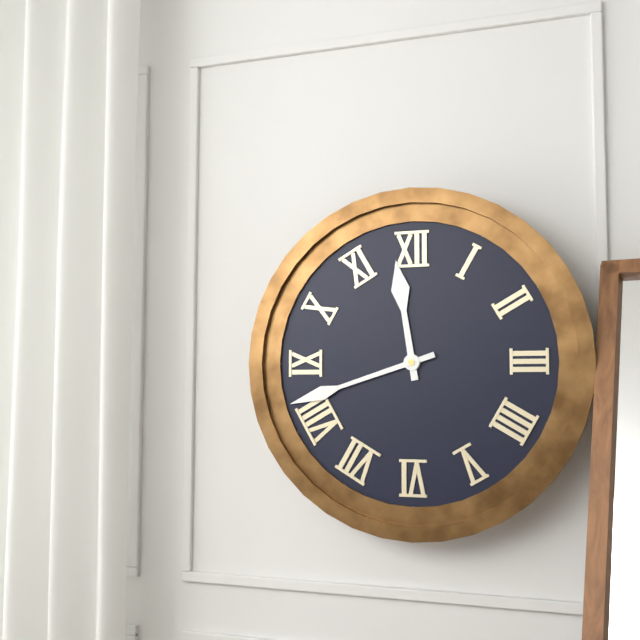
11:42
